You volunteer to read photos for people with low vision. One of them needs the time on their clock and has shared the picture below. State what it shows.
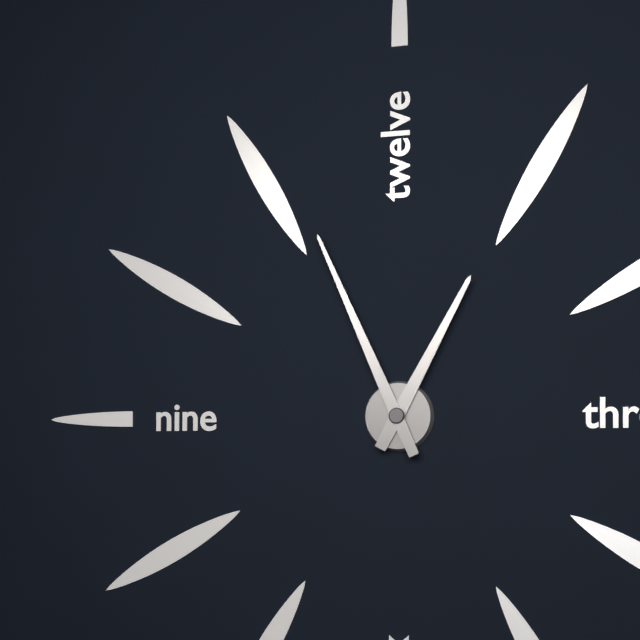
12:56
